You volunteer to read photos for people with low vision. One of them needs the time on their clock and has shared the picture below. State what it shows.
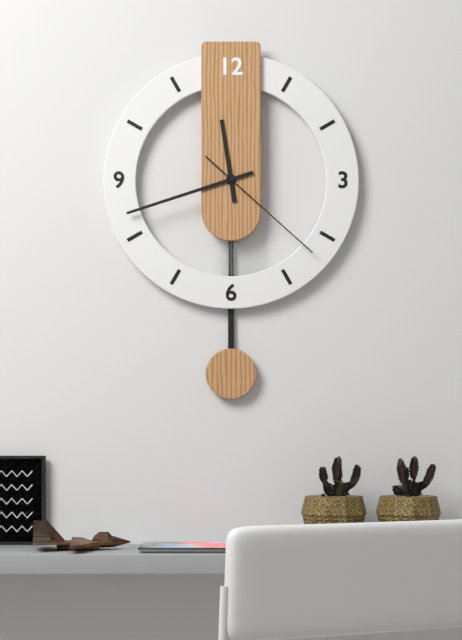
11:42:22
